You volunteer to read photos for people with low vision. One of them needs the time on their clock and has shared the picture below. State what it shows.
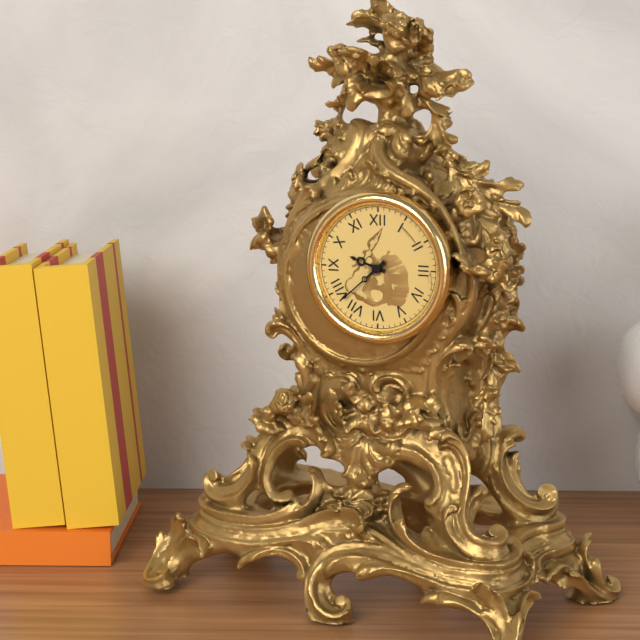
9:38
